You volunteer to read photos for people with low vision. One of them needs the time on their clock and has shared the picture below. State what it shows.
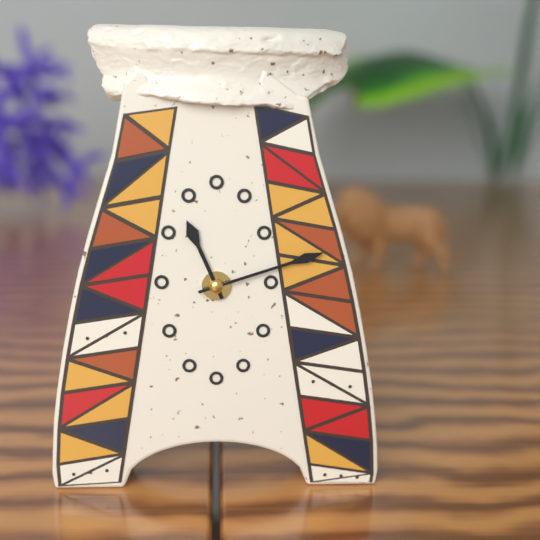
11:12
